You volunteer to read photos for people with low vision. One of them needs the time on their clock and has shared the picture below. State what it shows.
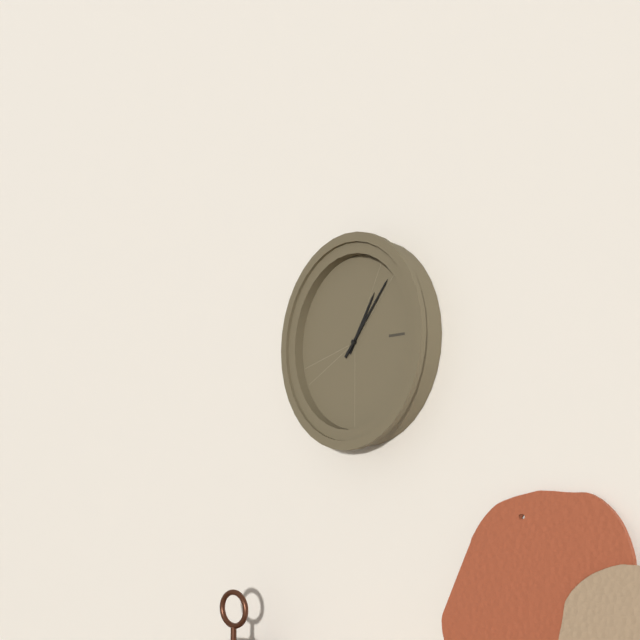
1:07
